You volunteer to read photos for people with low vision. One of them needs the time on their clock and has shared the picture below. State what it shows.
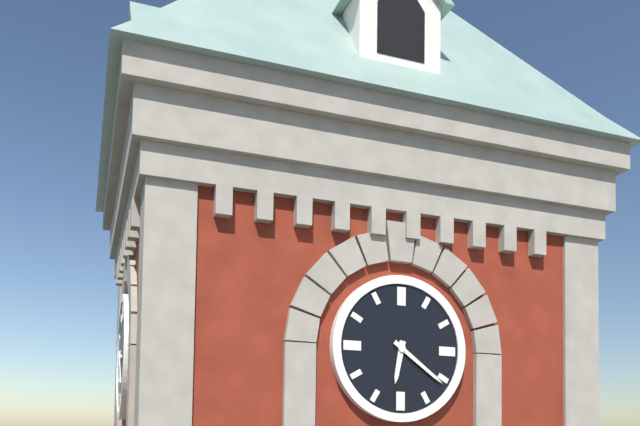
6:21
